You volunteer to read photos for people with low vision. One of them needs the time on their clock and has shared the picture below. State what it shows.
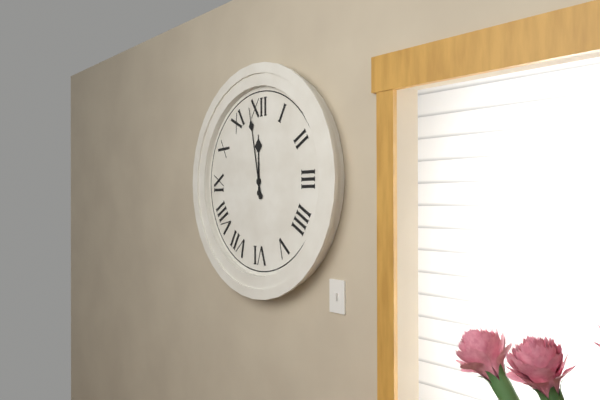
11:58
